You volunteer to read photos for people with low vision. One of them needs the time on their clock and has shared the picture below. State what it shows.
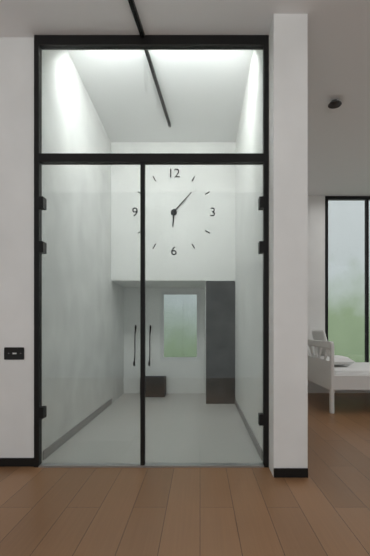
6:07
